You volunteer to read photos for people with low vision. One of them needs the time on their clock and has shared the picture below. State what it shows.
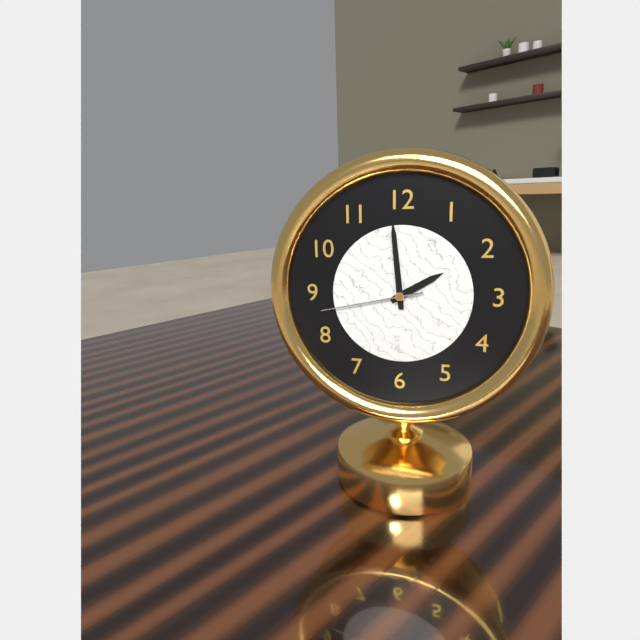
1:59:43
